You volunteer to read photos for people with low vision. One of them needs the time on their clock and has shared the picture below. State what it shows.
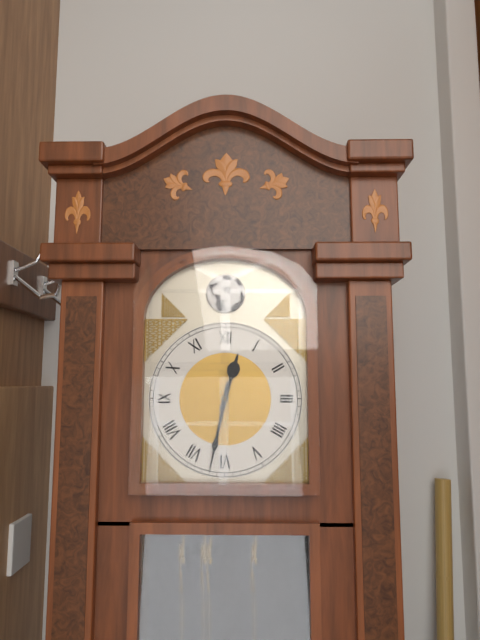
12:32
